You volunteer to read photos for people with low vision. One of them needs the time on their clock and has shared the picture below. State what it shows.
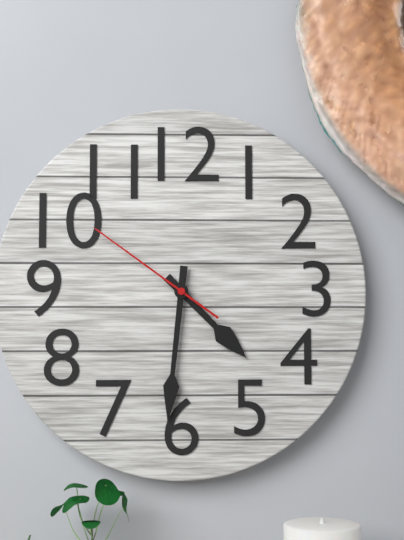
4:31:51
